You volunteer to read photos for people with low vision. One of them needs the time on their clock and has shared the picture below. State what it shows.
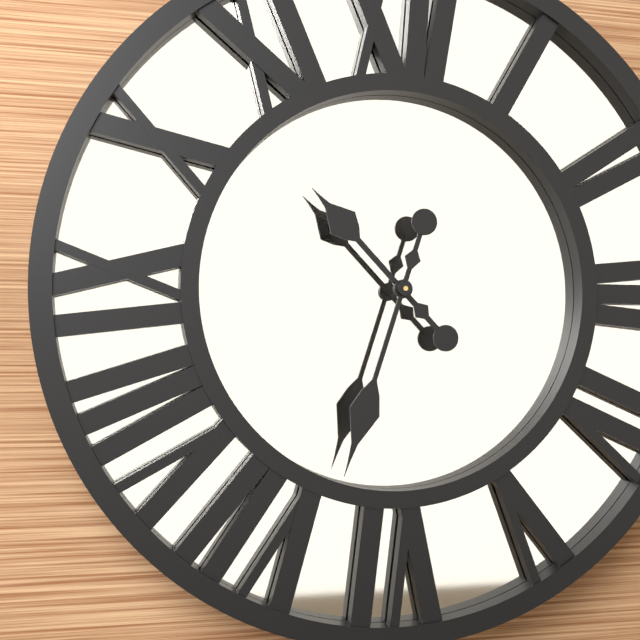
10:33
